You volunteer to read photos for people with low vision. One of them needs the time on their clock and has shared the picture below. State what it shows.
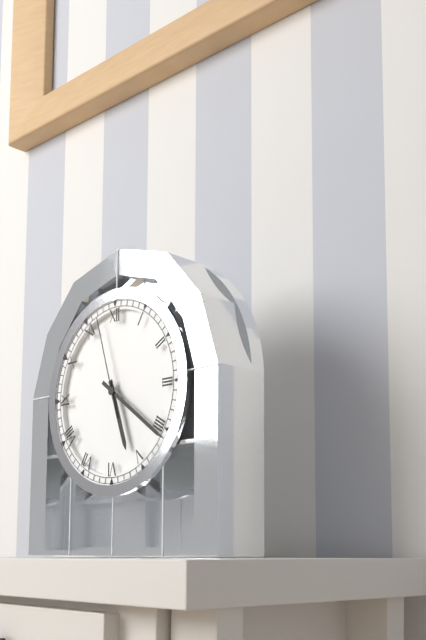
5:21:57
